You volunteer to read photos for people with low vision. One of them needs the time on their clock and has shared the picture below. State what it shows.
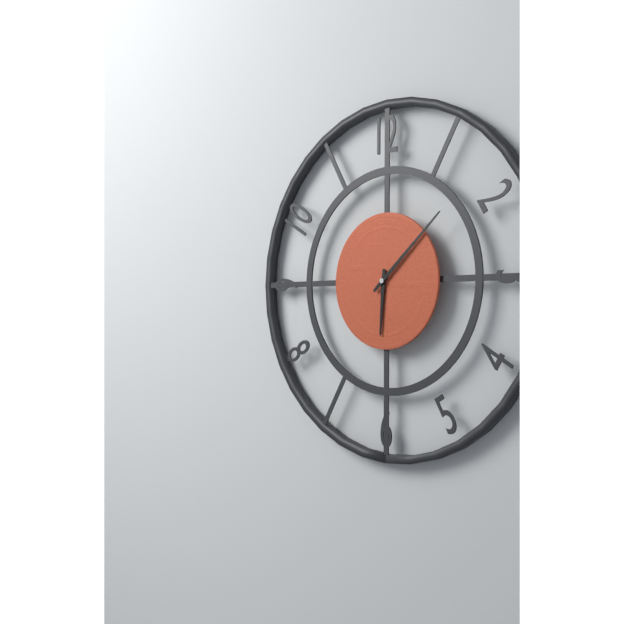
6:08
